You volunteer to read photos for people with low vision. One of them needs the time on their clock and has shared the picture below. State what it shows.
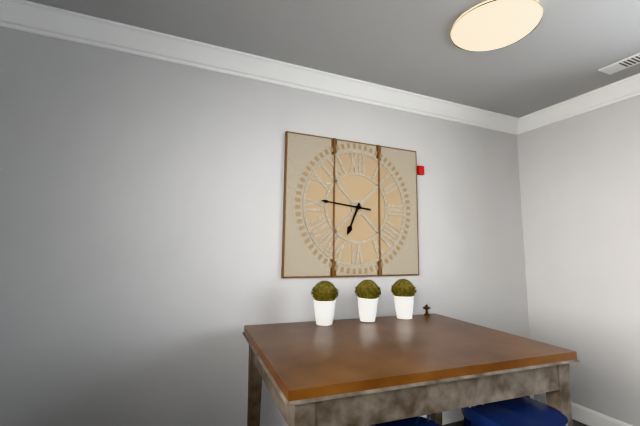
6:46
